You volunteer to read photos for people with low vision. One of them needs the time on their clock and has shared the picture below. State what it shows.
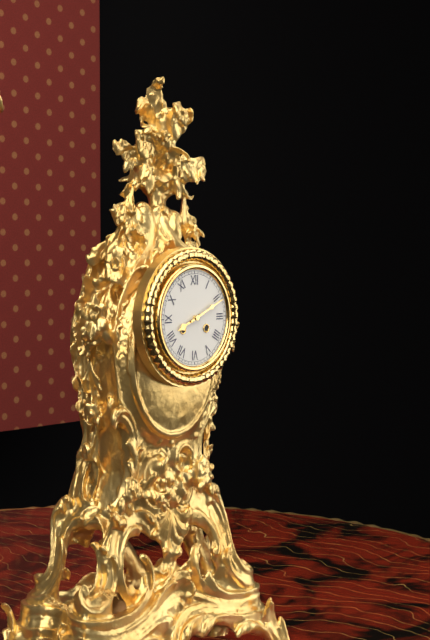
8:11
